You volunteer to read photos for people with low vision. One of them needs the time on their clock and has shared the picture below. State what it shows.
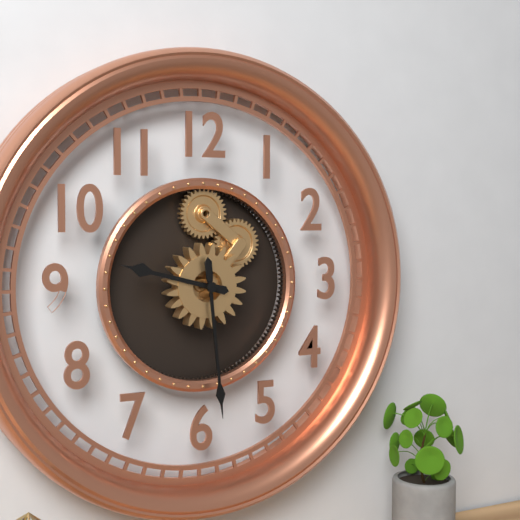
9:29
